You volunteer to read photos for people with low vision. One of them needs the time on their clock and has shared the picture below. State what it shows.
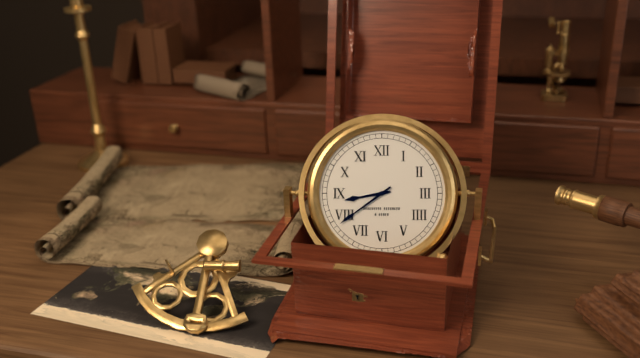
8:39
